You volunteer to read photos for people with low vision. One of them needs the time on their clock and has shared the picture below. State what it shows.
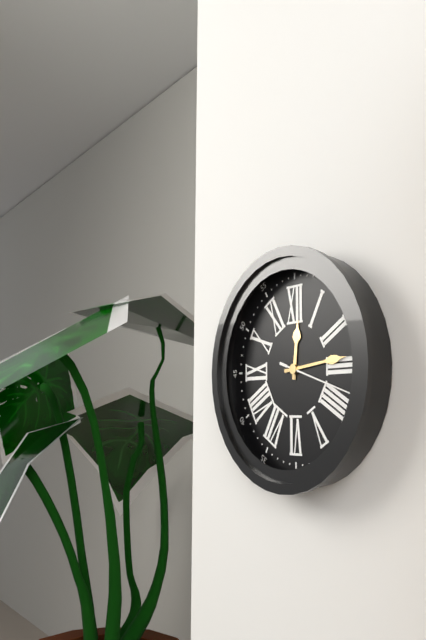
12:14:18
